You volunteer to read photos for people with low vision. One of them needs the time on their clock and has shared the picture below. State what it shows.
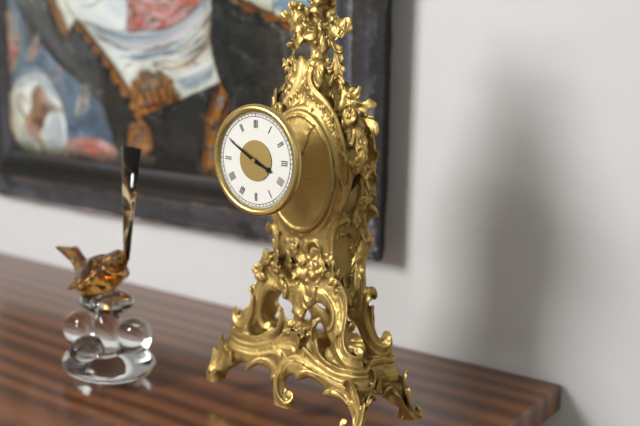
3:50
